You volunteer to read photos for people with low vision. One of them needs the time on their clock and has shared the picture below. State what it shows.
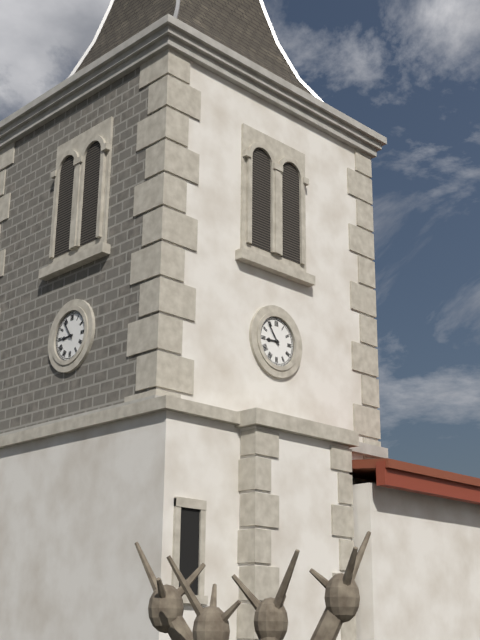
8:54
